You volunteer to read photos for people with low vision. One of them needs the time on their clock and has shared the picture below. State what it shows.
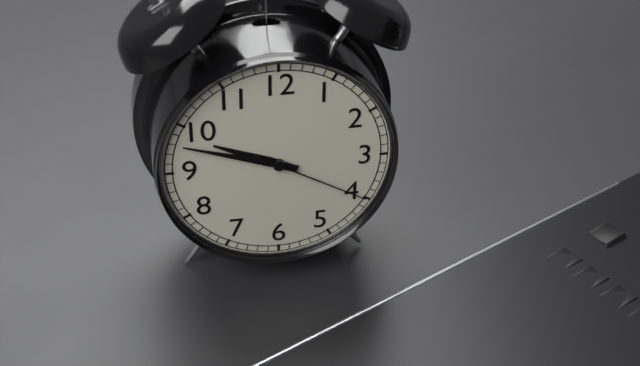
9:48:20
